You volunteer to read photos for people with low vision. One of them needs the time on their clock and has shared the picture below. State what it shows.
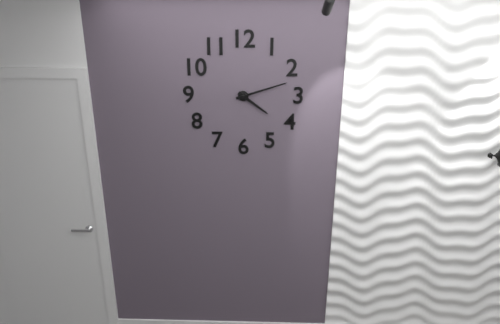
4:12
